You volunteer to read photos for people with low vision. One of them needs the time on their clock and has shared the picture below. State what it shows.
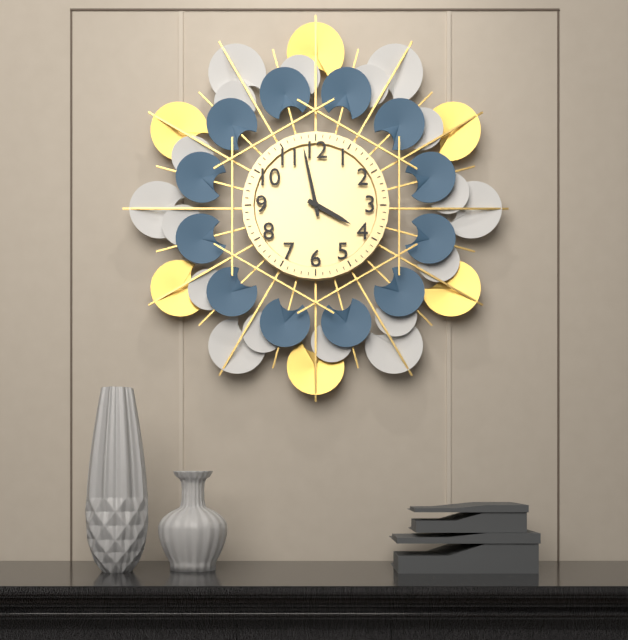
3:58
